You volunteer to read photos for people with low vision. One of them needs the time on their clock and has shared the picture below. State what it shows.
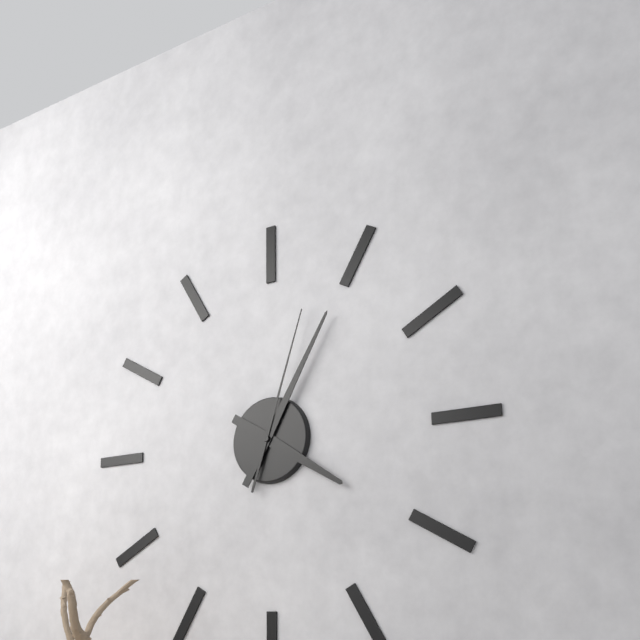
4:05:03
